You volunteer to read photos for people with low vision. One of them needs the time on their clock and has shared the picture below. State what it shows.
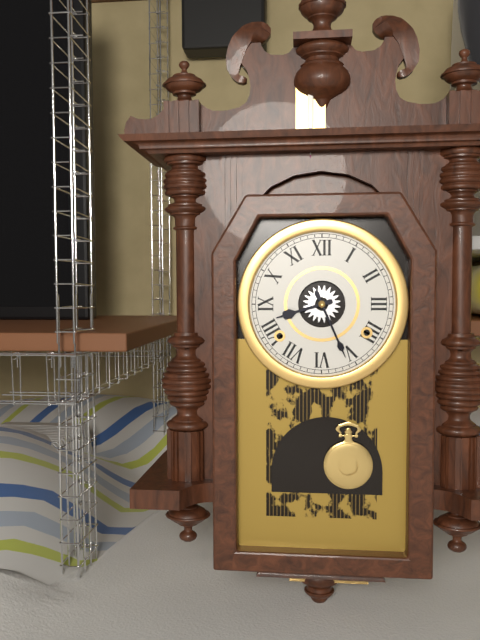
8:26
